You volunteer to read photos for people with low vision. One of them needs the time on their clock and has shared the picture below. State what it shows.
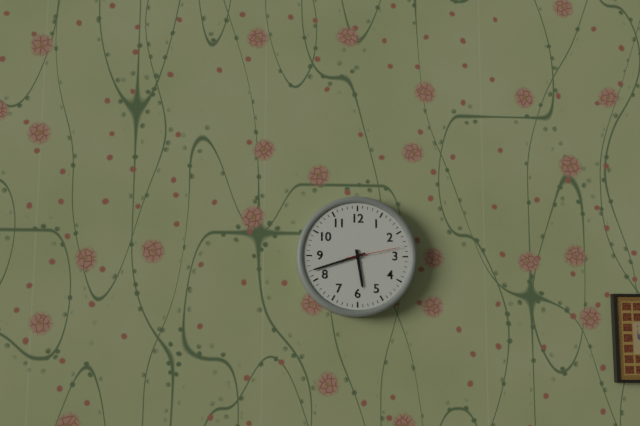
5:42:13
